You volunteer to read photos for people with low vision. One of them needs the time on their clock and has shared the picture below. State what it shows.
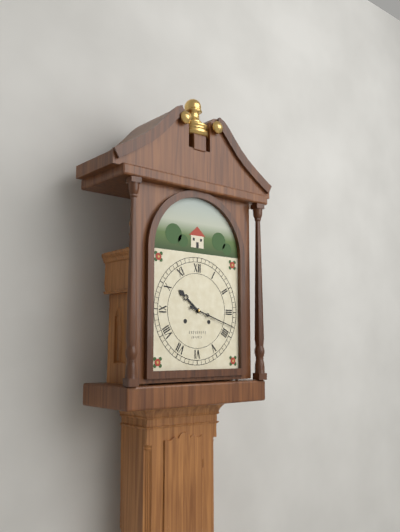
10:18
